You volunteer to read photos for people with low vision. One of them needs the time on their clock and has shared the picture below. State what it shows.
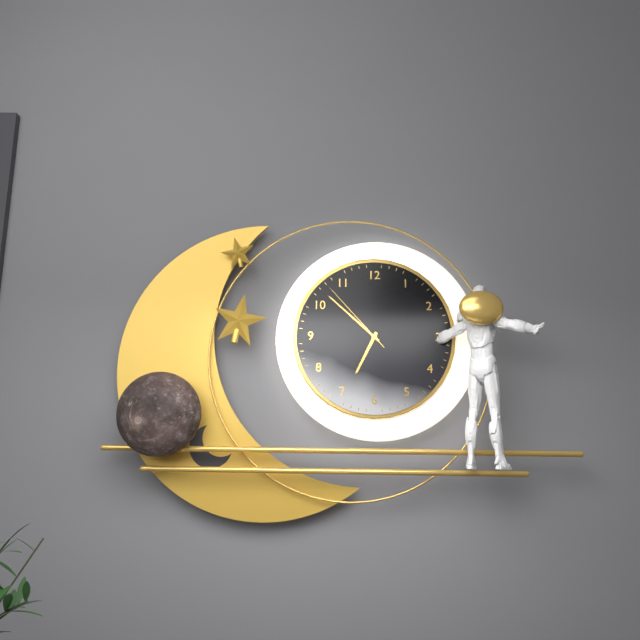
6:52:53
